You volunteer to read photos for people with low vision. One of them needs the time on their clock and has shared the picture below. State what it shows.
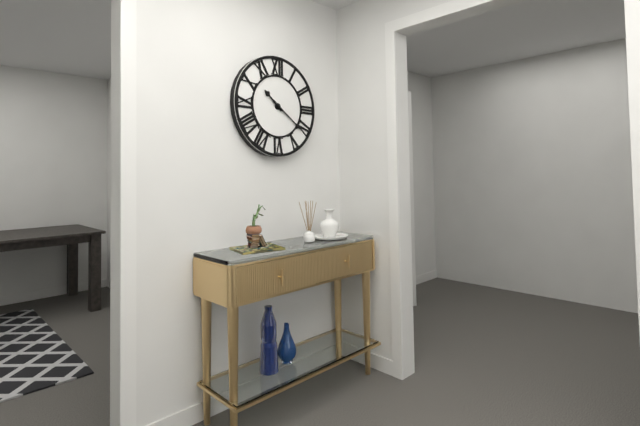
10:21
